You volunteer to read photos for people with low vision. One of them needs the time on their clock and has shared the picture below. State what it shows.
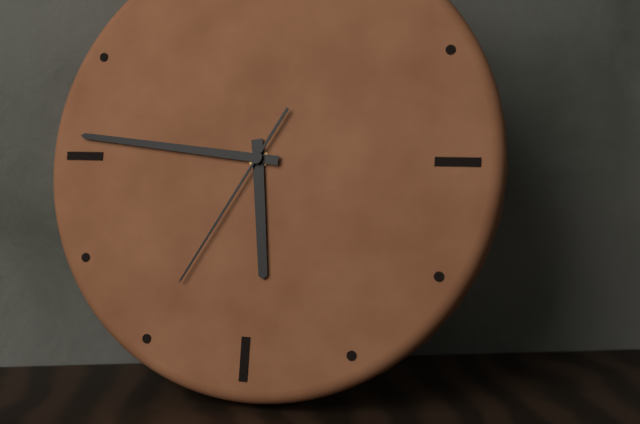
5:46:35
